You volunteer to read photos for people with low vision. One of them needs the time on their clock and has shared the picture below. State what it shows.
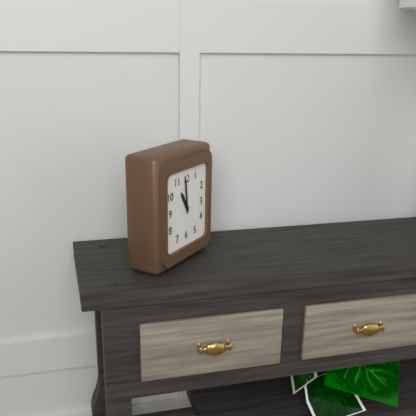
10:59
